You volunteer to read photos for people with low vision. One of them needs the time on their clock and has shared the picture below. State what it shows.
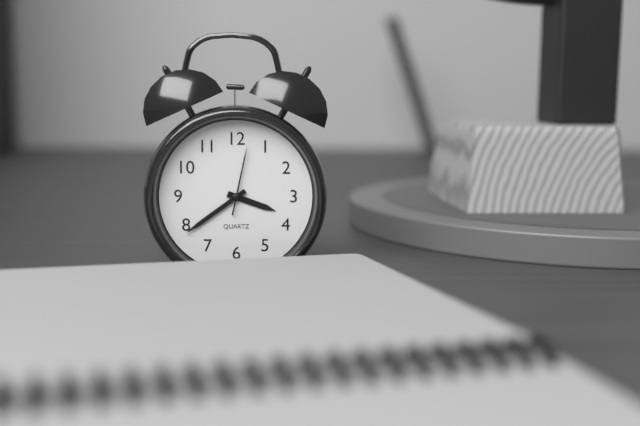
3:39:02
